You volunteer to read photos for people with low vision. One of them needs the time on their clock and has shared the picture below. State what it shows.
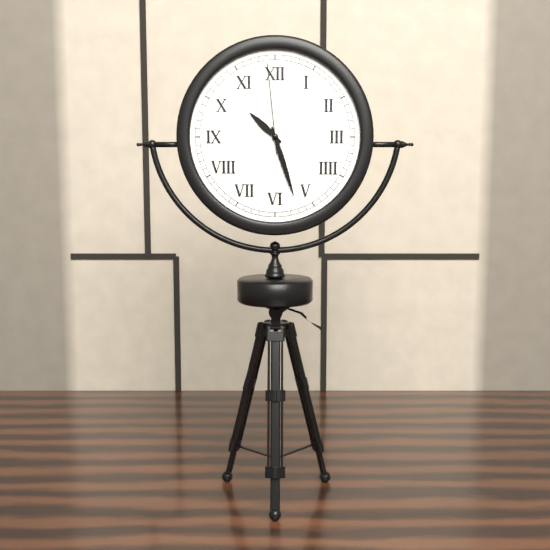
10:27:59
